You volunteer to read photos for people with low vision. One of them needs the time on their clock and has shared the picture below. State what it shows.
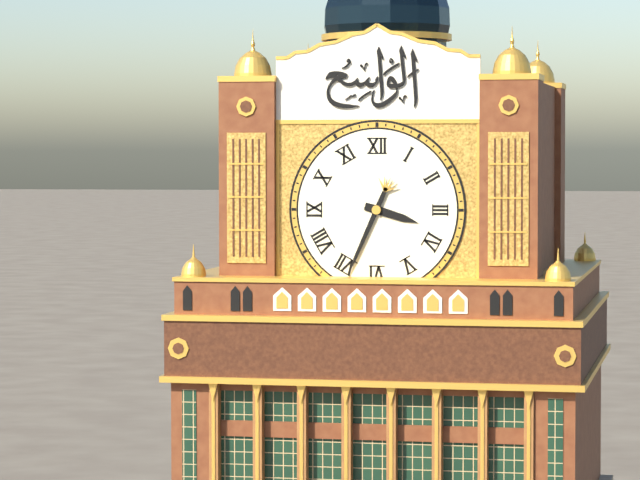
3:34
